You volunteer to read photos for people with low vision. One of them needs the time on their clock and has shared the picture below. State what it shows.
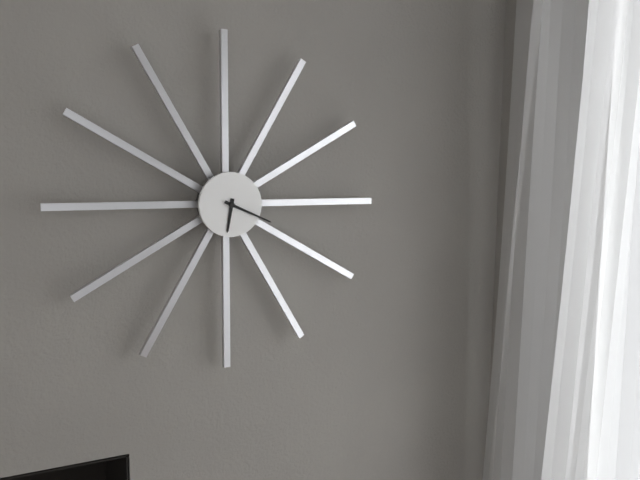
6:19
